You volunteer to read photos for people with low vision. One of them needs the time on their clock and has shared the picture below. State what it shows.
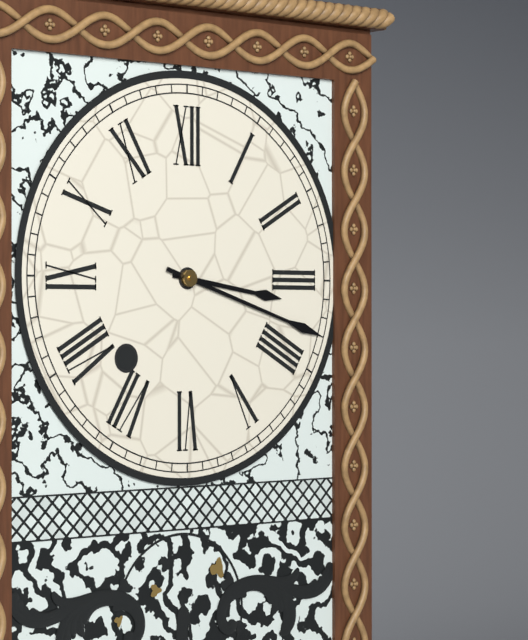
3:18
